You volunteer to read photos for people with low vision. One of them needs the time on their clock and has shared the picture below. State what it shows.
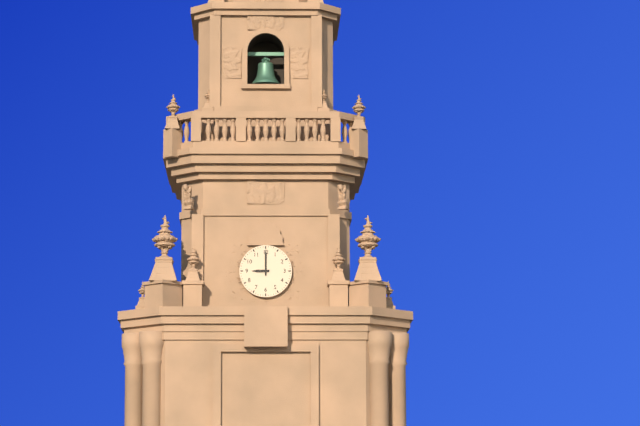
9:00
